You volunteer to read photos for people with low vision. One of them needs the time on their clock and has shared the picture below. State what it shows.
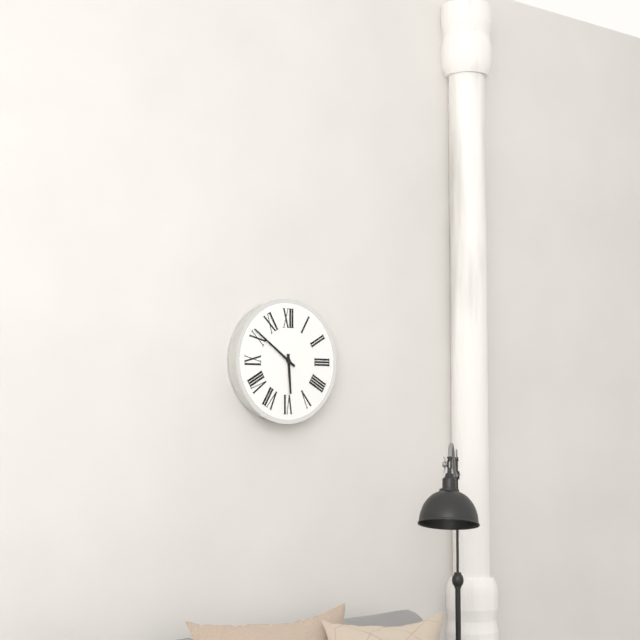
5:51
